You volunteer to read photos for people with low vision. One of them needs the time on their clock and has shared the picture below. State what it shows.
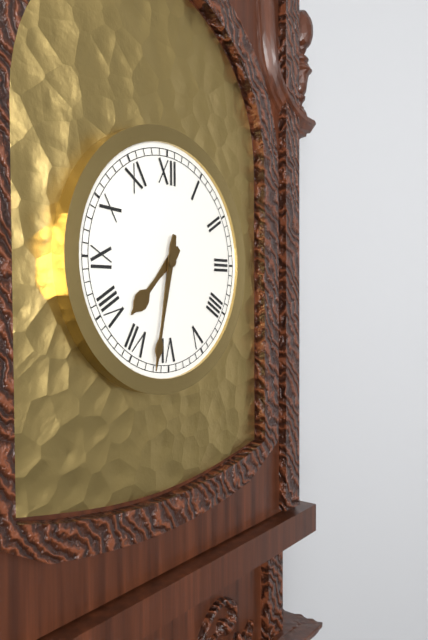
7:32
